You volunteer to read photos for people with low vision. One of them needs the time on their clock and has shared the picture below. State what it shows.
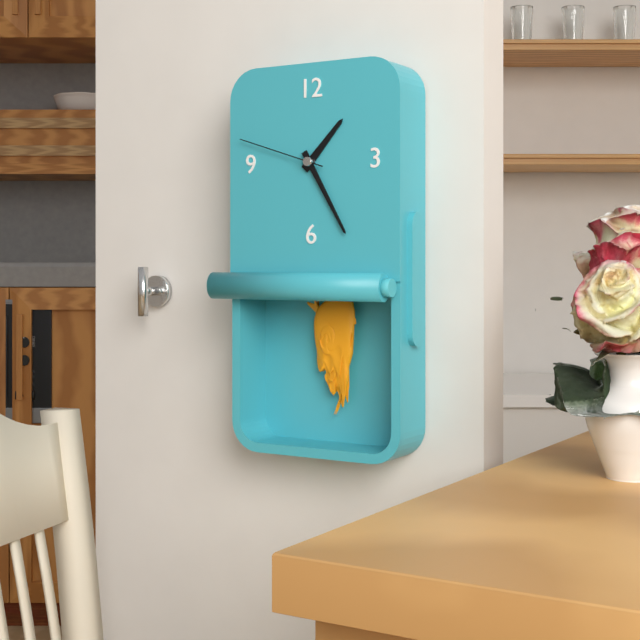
1:25:48
